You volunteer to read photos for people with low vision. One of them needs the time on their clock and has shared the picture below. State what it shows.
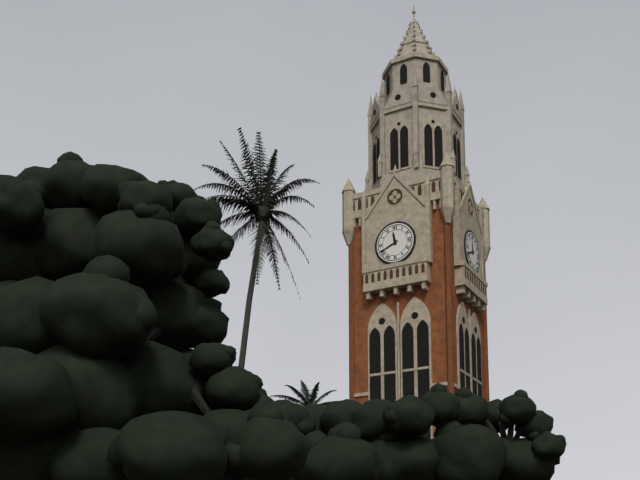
11:41
